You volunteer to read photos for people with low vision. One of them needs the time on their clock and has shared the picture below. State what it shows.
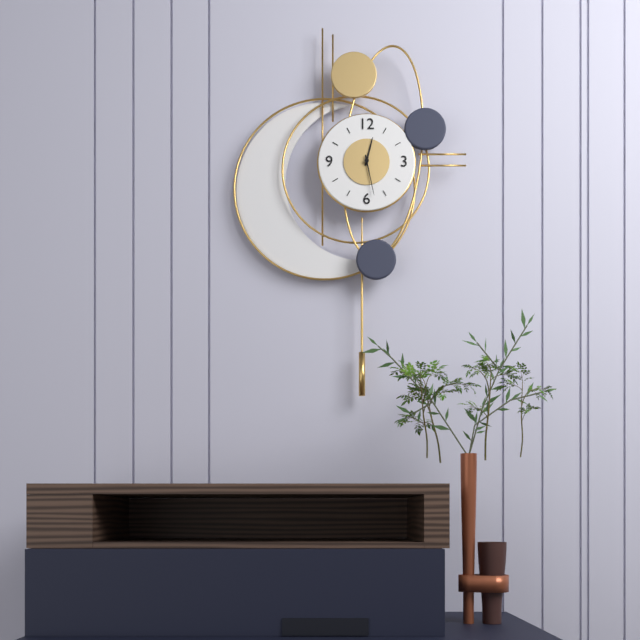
12:28
